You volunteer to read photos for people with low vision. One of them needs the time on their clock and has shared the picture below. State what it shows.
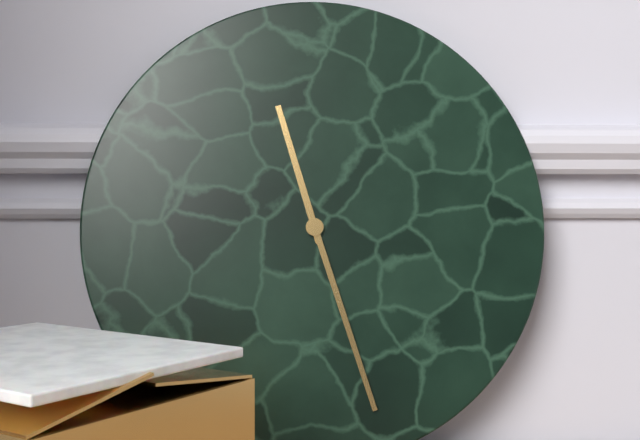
11:27
